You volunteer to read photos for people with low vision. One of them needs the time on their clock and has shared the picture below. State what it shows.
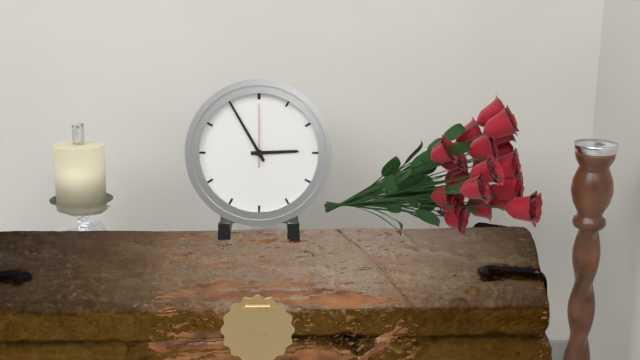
2:55:00
